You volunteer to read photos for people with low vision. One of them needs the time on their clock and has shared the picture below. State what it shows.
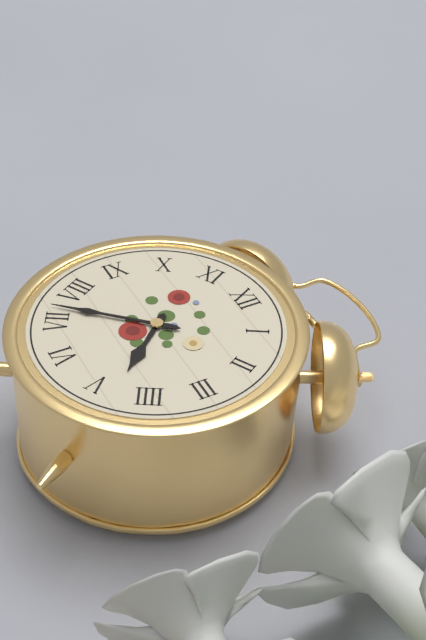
4:37
